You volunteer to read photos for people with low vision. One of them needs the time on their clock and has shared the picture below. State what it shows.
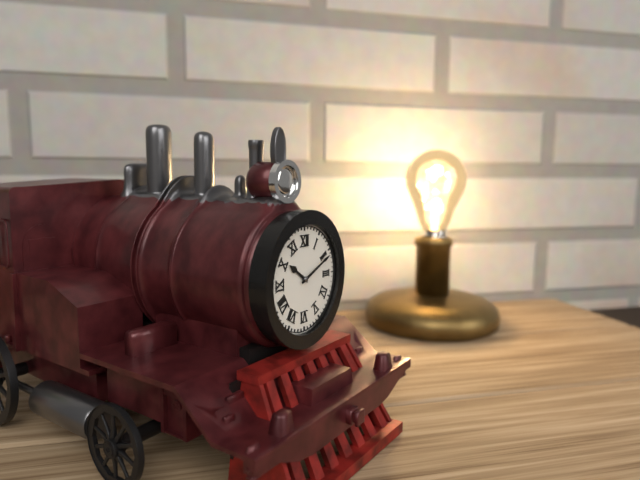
10:11
